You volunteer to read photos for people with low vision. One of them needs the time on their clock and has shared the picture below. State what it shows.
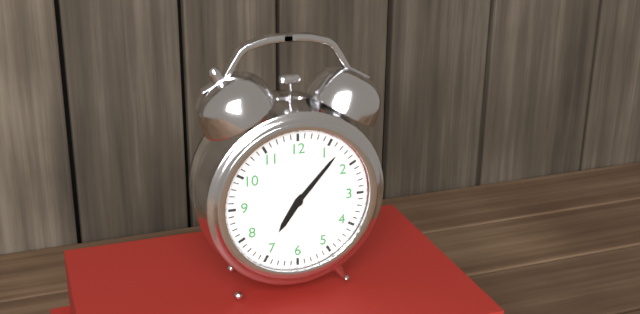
7:07
